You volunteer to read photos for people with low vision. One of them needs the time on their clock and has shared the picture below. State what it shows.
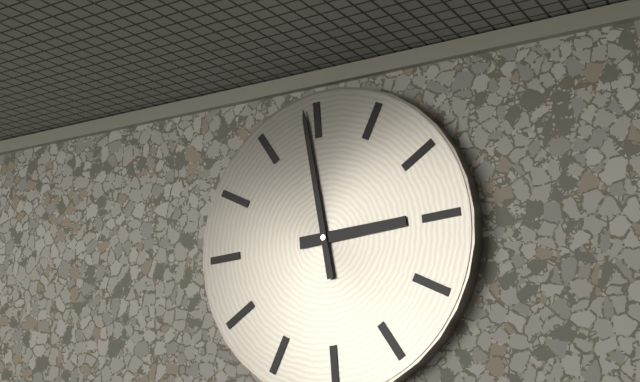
2:59
